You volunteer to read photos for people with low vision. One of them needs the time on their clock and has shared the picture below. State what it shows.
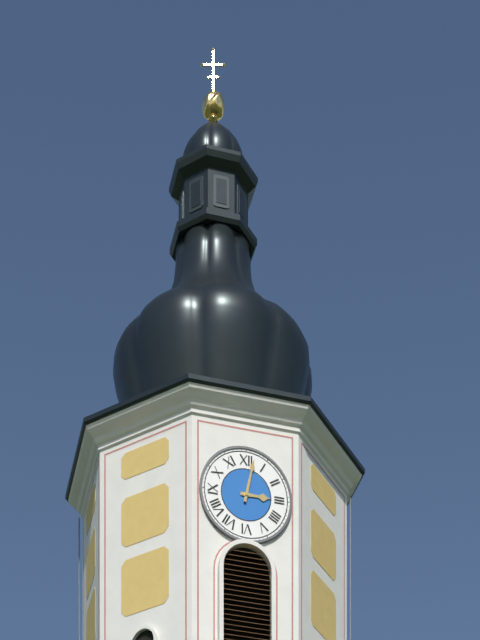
3:02
